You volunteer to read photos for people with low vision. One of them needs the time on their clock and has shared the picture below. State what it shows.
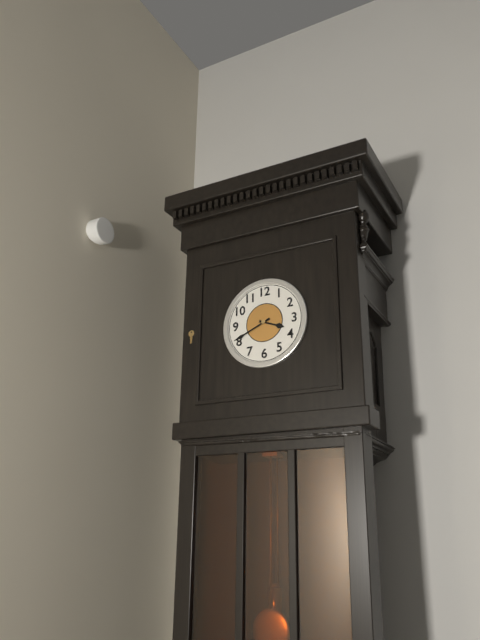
3:41
